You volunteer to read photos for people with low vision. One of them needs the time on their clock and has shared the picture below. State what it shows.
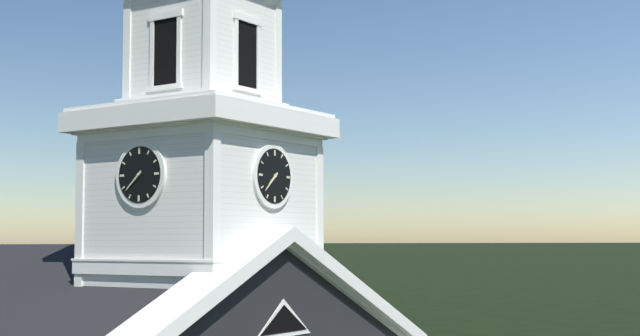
7:38
